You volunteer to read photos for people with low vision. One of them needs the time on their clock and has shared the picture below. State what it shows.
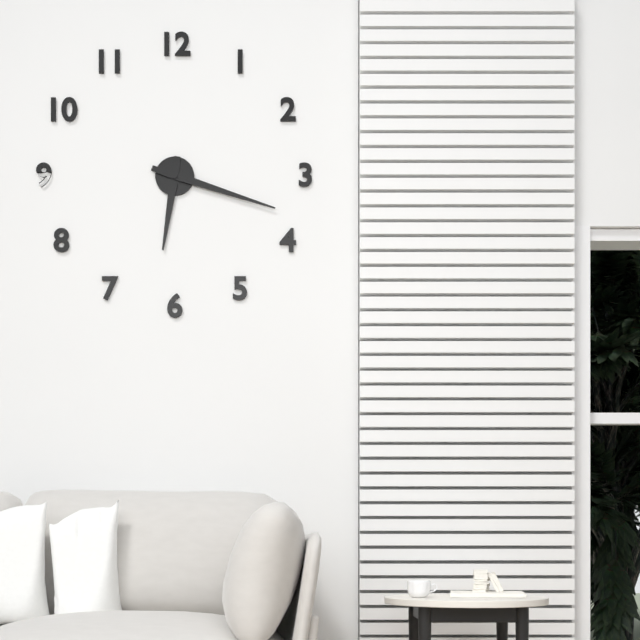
6:18
